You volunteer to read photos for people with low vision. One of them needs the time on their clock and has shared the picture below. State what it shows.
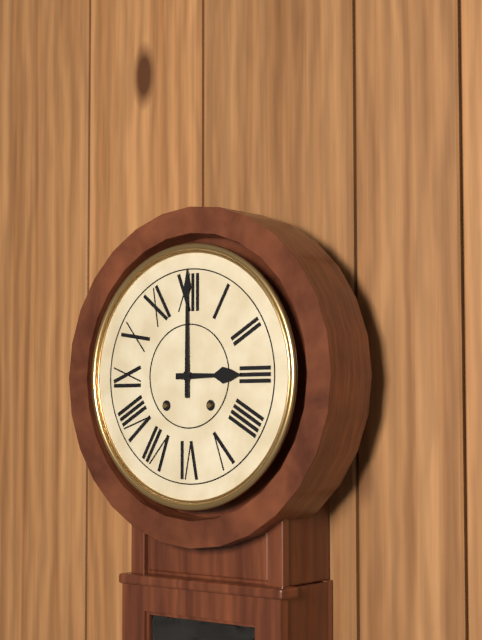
3:00
